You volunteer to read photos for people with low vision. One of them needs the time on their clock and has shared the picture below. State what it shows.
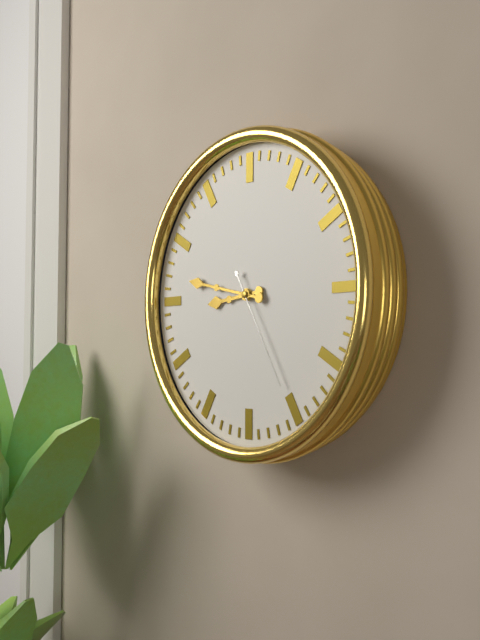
8:47:25
